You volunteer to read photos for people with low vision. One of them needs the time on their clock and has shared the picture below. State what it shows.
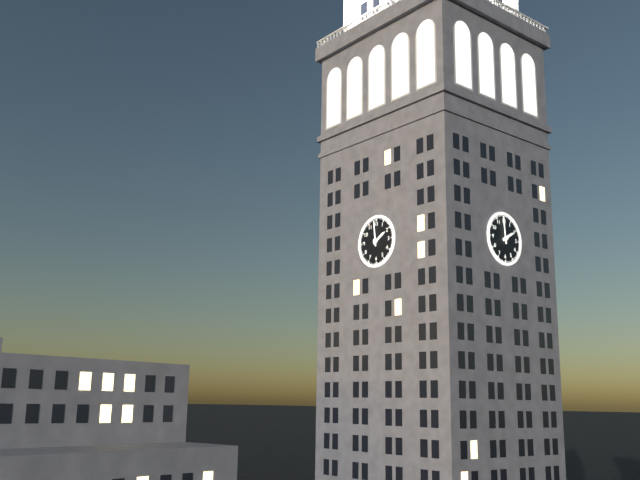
1:59
